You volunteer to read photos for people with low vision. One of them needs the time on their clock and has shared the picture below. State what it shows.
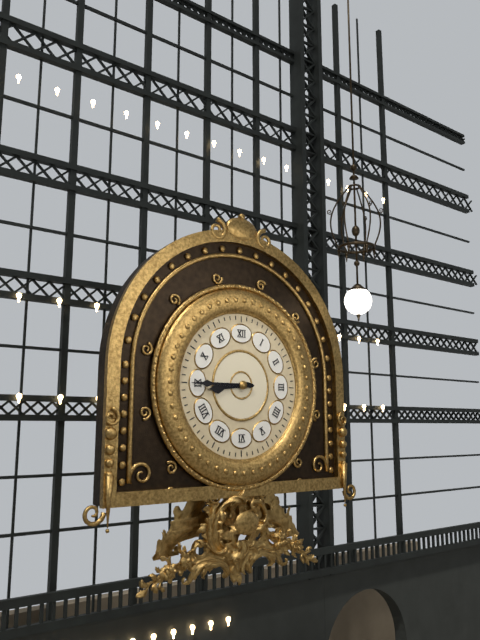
8:45
